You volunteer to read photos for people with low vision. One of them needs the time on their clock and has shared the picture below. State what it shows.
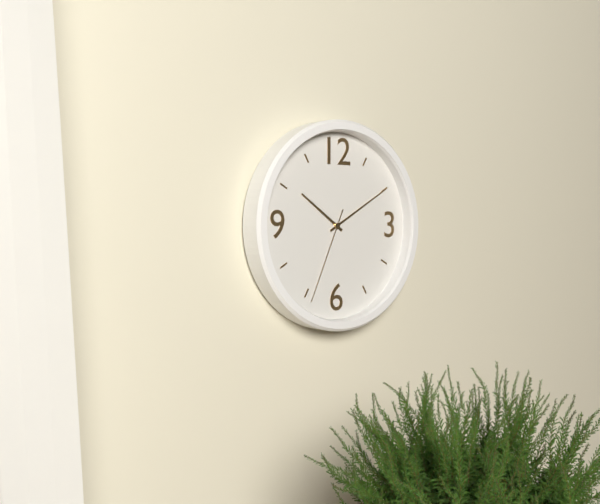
10:10:34
